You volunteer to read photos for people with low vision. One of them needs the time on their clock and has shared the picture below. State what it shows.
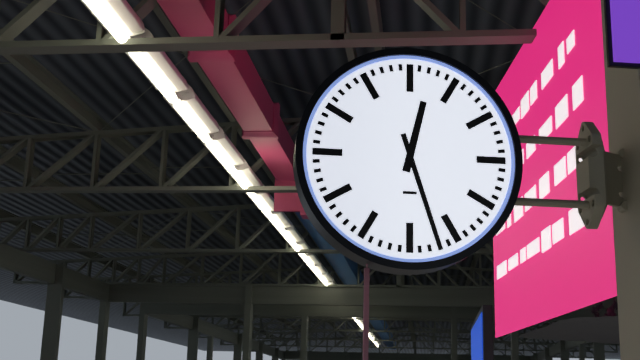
12:27
